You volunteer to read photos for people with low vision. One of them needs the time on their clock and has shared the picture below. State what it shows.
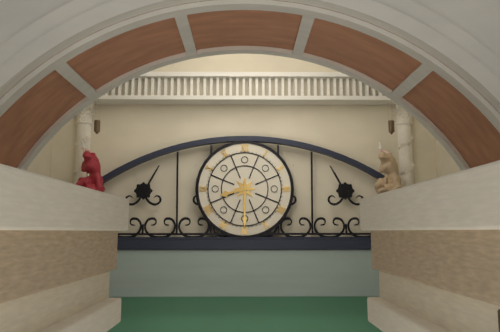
8:30
